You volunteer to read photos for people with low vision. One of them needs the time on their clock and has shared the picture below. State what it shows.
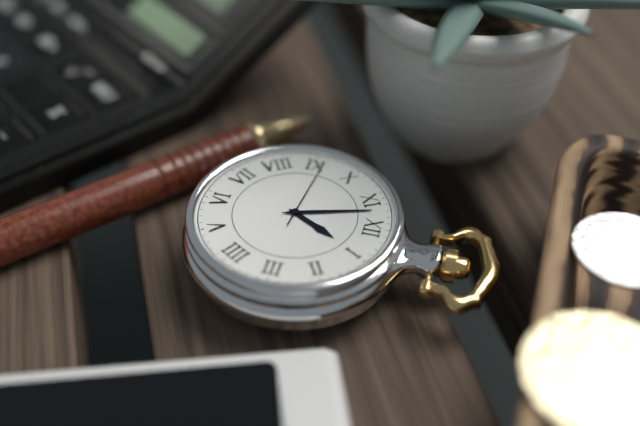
12:57:46
